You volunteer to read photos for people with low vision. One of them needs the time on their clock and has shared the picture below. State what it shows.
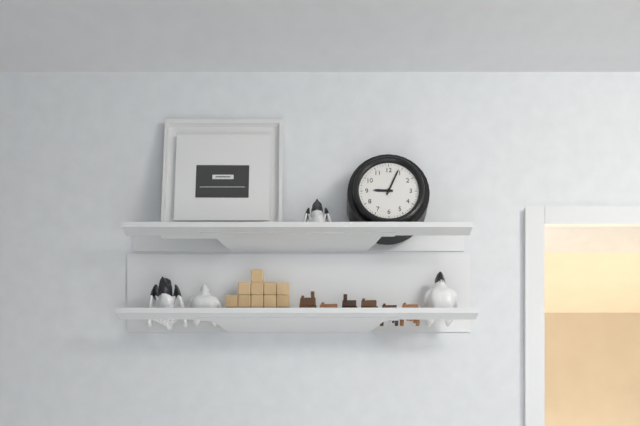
9:04
